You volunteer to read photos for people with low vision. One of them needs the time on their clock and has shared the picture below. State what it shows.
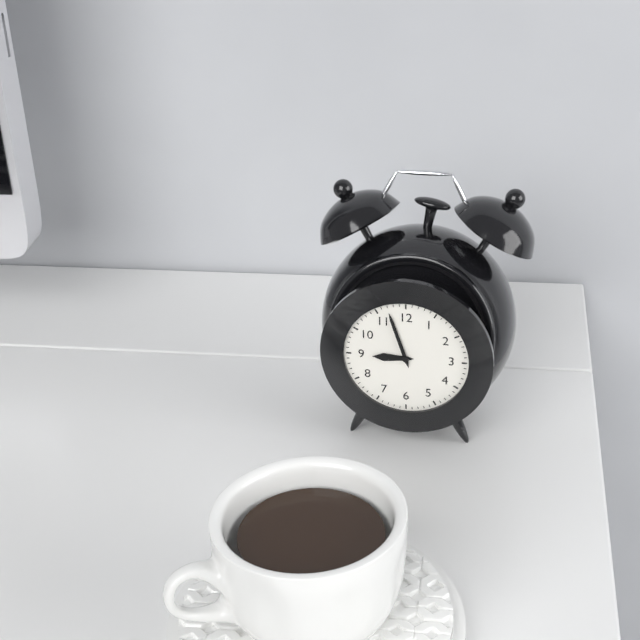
8:57
